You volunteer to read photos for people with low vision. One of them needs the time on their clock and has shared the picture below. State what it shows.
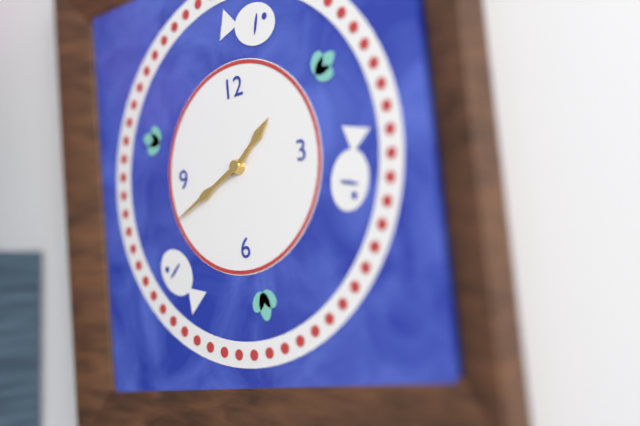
1:41
